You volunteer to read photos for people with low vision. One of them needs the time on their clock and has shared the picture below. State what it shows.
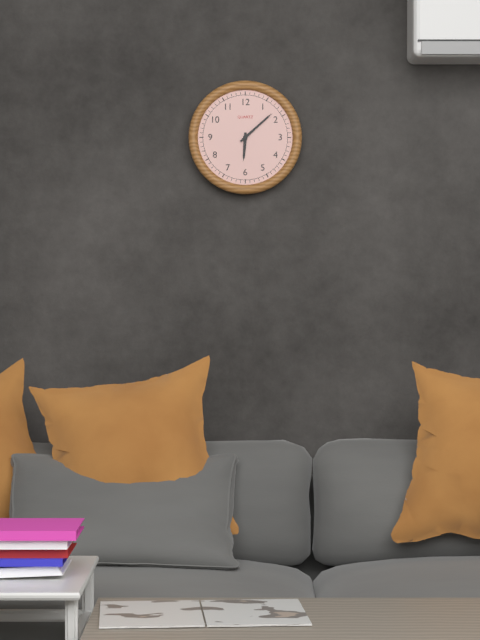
6:08
